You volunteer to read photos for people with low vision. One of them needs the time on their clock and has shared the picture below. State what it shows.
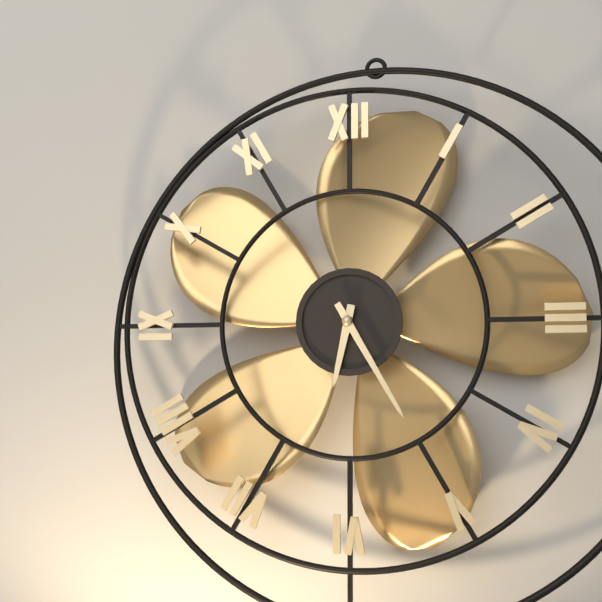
6:25
